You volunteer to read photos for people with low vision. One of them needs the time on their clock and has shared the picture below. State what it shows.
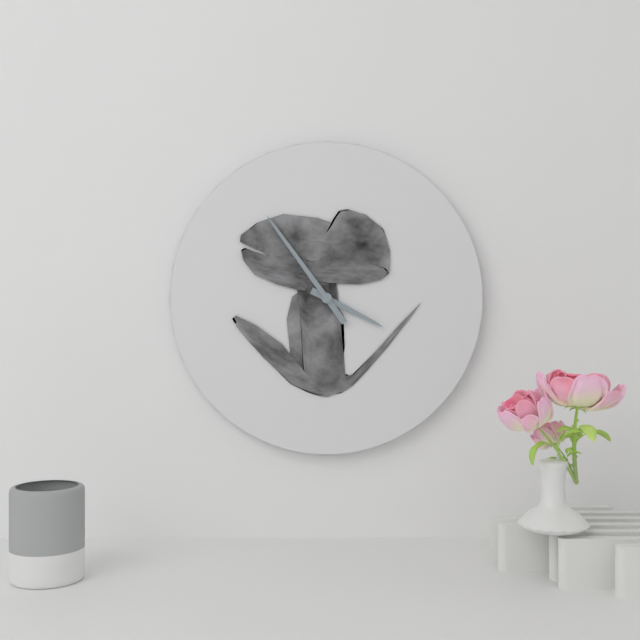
3:54
